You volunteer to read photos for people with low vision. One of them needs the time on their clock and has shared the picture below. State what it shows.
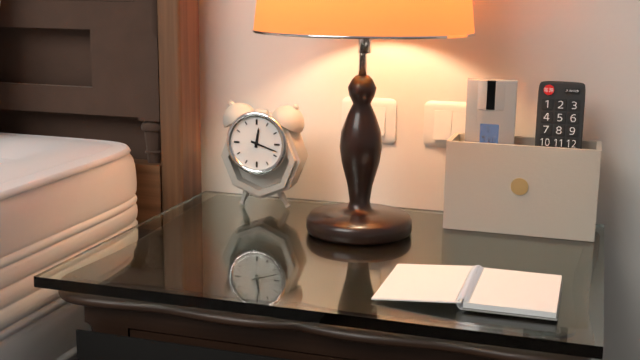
12:18
